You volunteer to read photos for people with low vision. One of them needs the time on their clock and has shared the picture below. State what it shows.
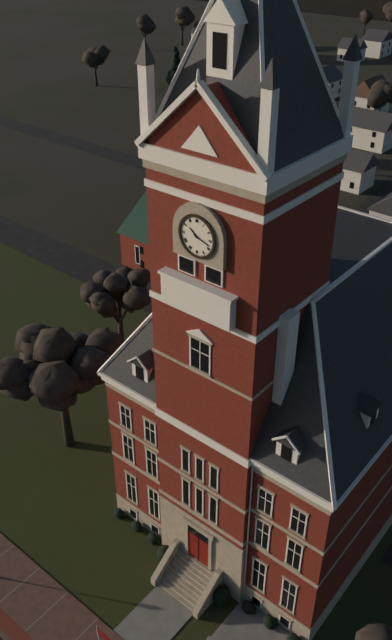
10:18
